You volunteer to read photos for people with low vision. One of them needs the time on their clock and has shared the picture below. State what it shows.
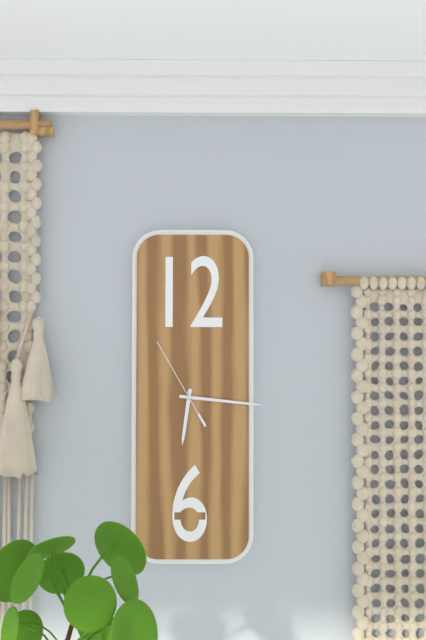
6:16:55
